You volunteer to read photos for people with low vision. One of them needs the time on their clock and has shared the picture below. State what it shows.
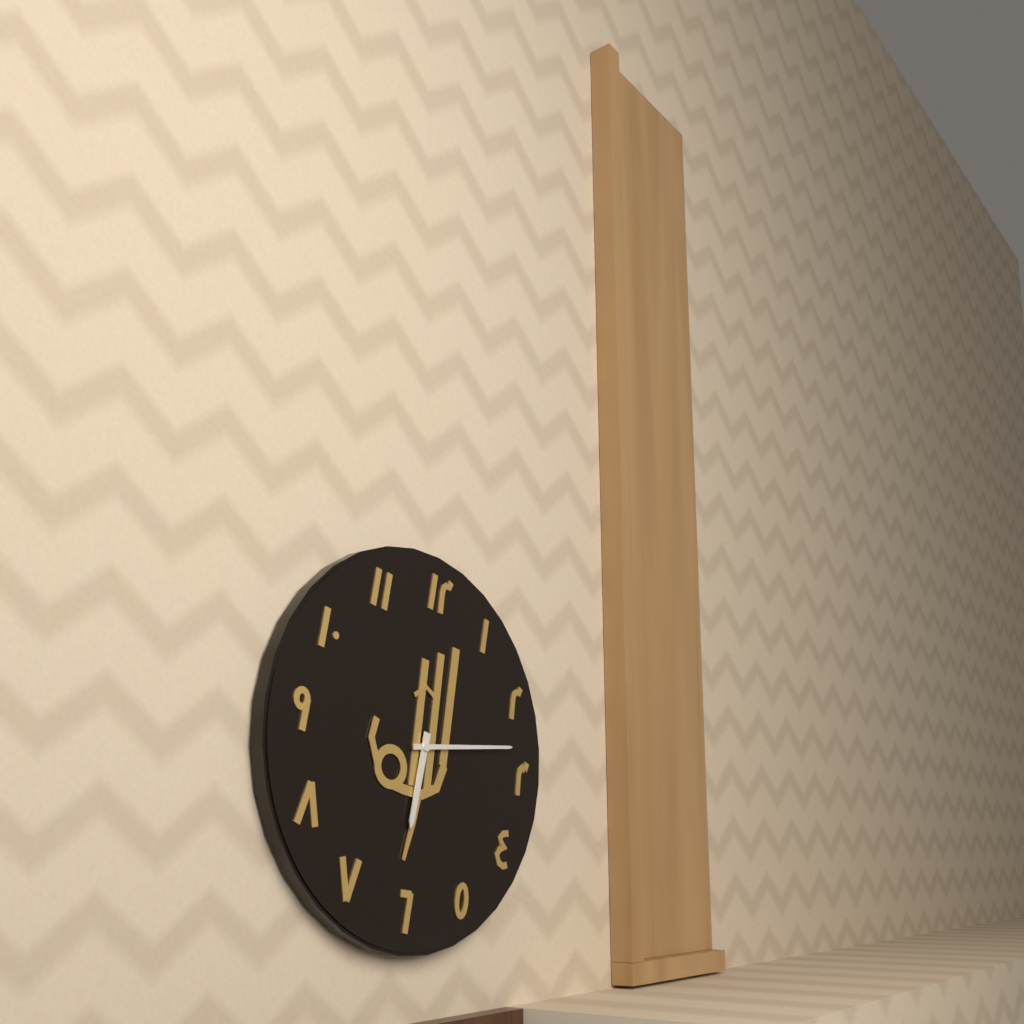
6:13
